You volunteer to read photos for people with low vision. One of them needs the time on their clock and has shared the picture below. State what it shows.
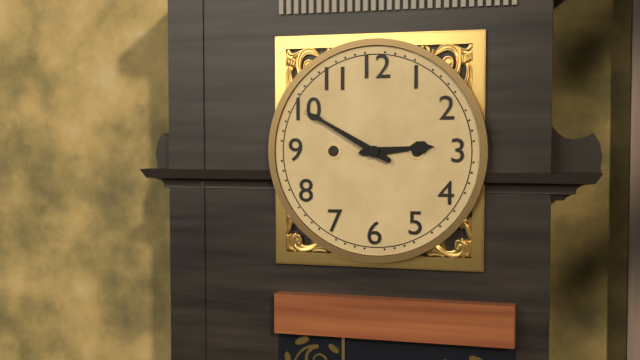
2:50
